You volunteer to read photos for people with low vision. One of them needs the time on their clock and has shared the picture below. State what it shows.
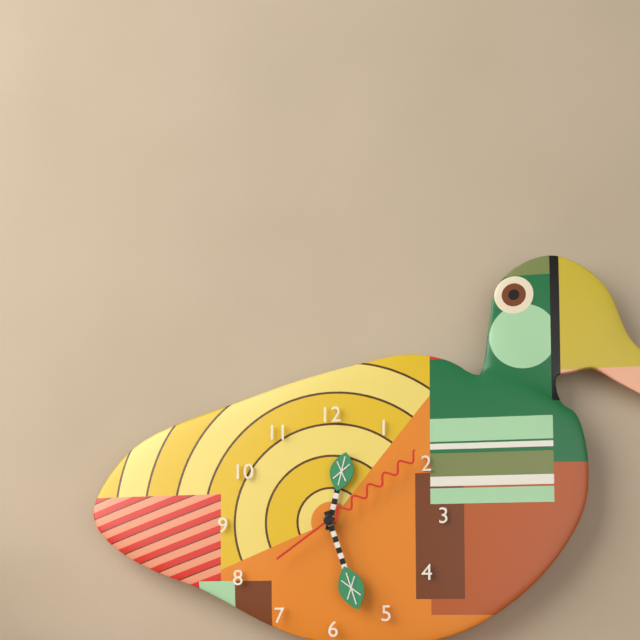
12:27:09
